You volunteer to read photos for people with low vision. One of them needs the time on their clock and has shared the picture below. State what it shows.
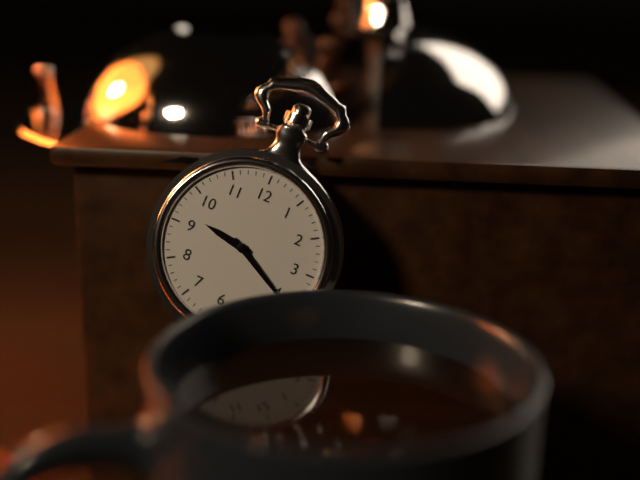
9:20
